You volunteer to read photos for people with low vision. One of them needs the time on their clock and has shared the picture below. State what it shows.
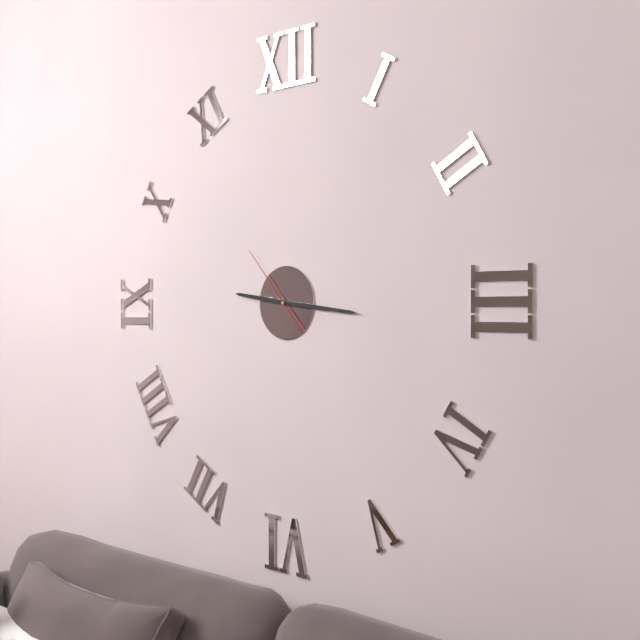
9:16:53
